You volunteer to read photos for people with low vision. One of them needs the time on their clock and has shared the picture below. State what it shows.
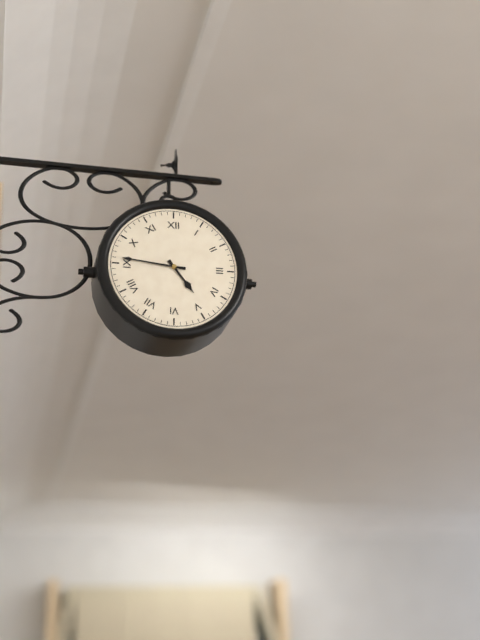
4:46
